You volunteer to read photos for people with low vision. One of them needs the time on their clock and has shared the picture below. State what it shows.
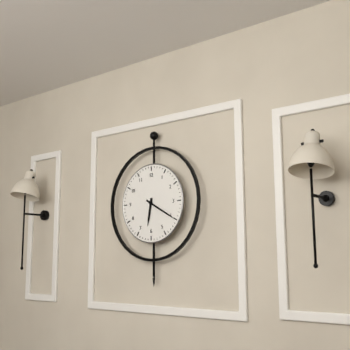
6:20
